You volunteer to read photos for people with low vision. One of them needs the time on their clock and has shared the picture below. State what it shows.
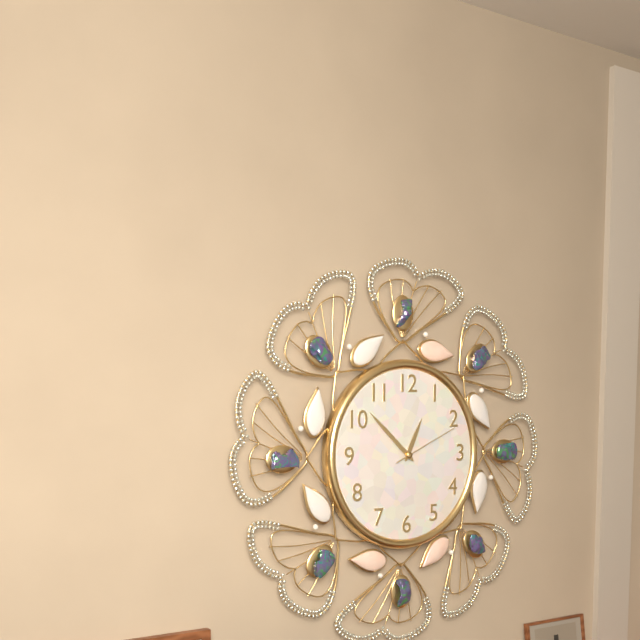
12:52:11
